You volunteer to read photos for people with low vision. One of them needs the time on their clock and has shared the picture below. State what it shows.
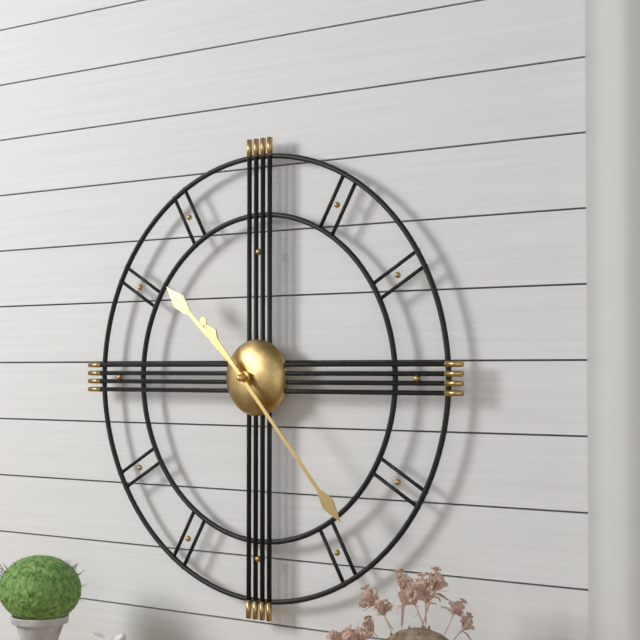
10:23
